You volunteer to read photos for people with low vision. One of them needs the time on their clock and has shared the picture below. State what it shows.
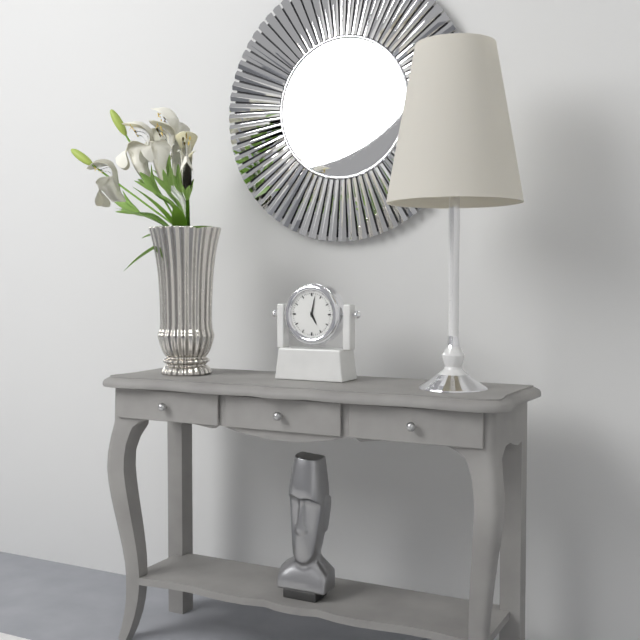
5:02
